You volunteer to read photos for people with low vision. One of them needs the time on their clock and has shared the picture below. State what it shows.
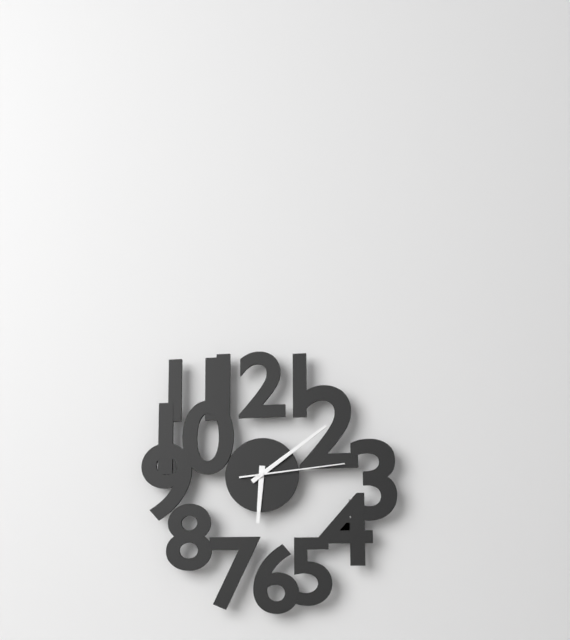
6:09:14
